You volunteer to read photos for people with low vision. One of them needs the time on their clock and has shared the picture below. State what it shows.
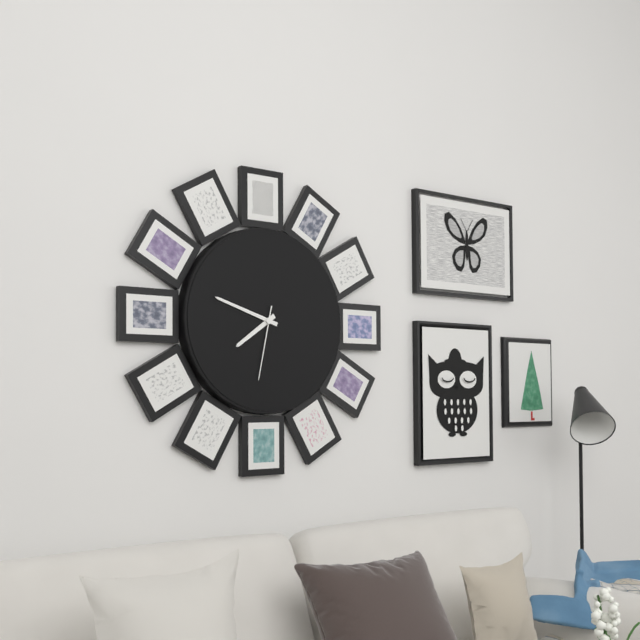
7:48:32
